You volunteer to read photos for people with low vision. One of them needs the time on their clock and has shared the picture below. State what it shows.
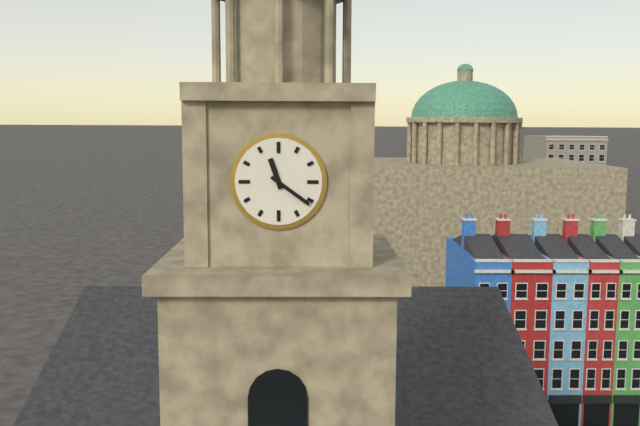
11:21
